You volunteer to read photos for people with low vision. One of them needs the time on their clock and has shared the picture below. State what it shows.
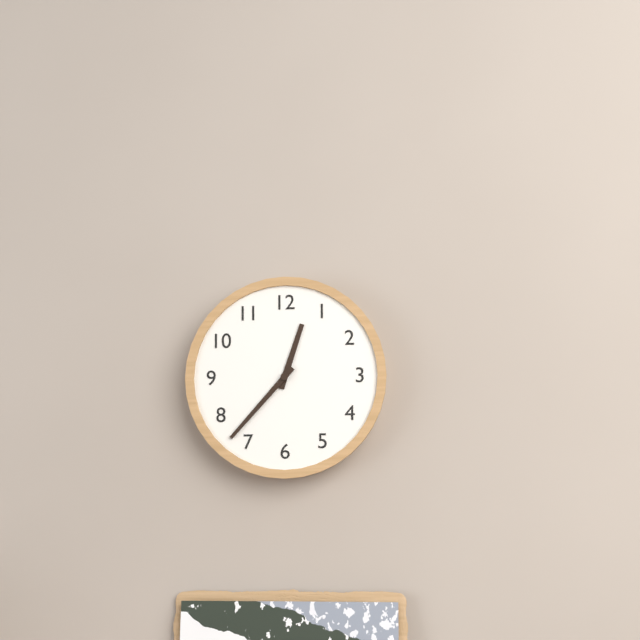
12:37
